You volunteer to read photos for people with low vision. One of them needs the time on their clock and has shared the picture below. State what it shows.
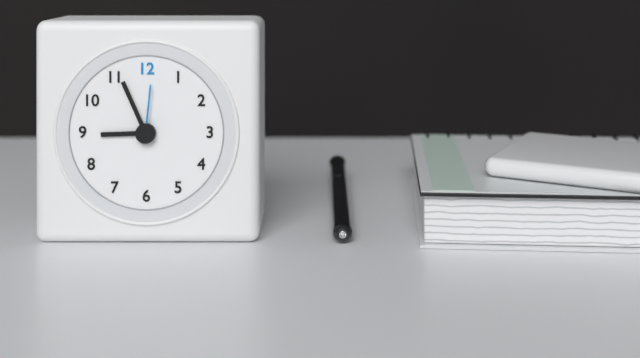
8:56:01
